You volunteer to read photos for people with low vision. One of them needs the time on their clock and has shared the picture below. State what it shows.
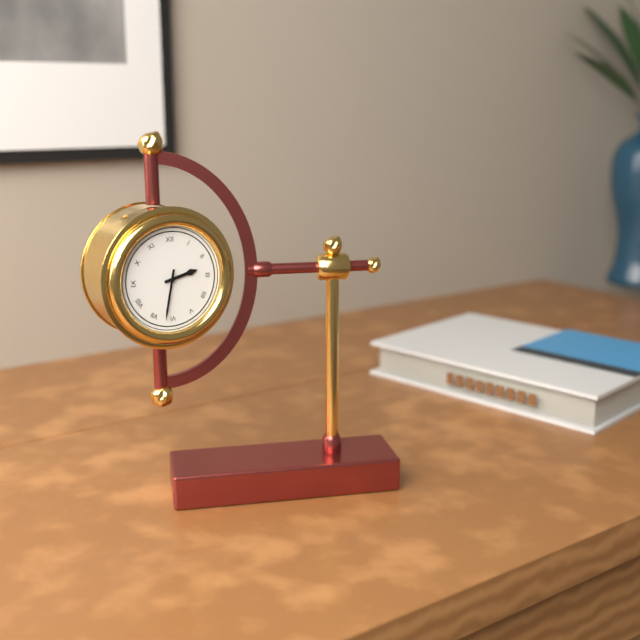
2:32
